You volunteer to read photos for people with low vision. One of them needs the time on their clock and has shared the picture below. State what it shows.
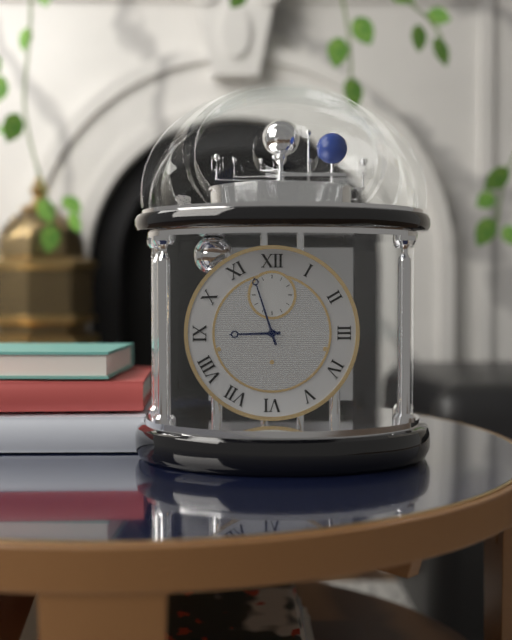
8:57
